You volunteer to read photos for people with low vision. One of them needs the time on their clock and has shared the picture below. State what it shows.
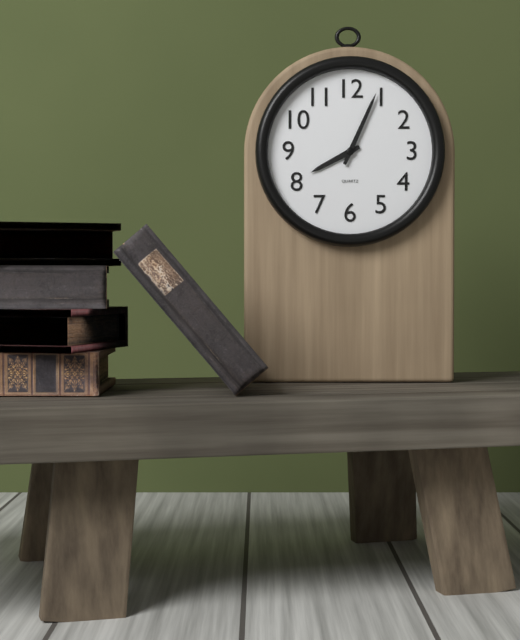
8:04
